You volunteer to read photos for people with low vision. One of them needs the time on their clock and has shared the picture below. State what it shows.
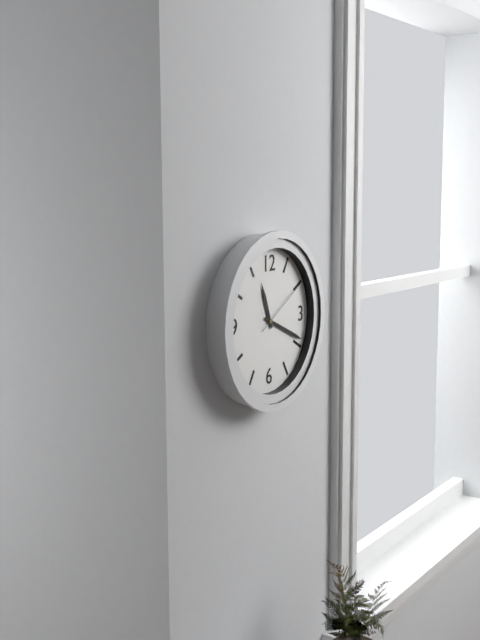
11:19:10
